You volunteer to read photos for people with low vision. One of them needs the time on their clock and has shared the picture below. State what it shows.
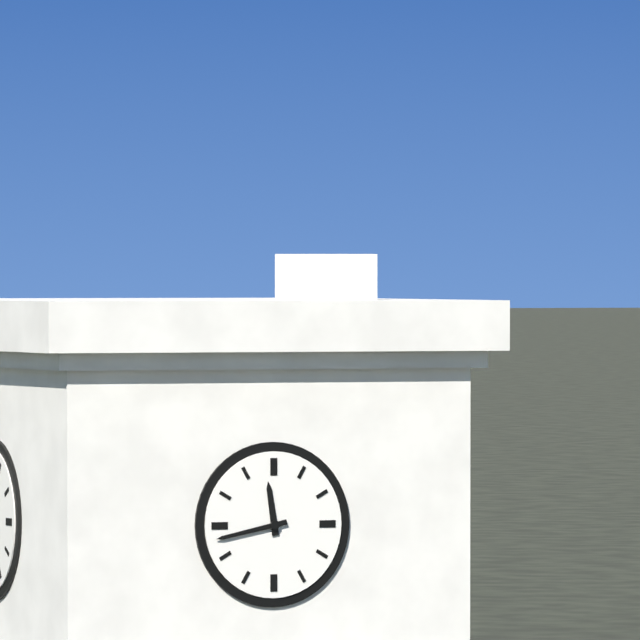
11:43
